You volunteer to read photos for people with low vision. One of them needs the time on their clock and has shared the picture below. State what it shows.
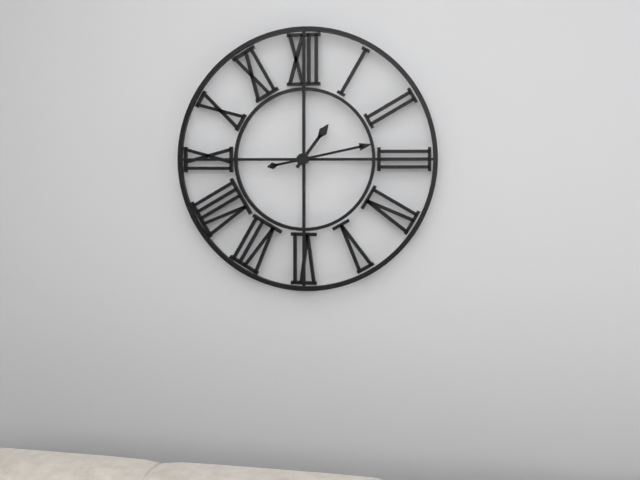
1:13
